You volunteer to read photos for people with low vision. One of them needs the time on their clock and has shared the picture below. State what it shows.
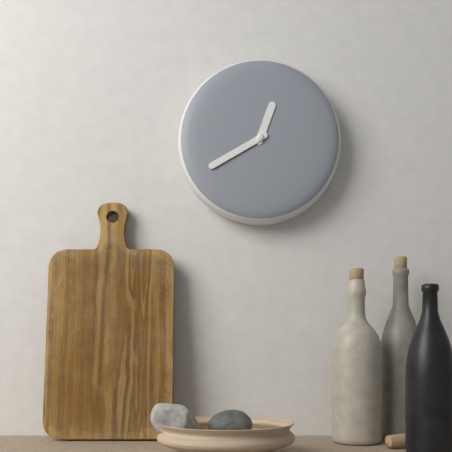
12:40
